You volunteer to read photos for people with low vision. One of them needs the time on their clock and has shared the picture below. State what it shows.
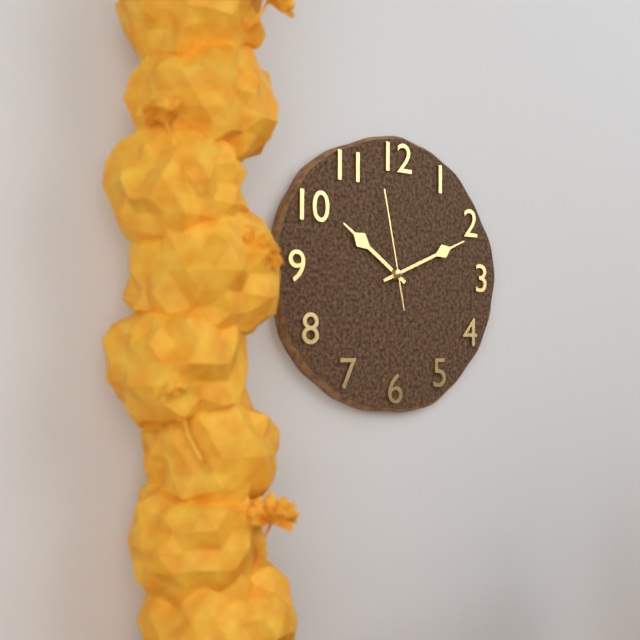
10:11:58
